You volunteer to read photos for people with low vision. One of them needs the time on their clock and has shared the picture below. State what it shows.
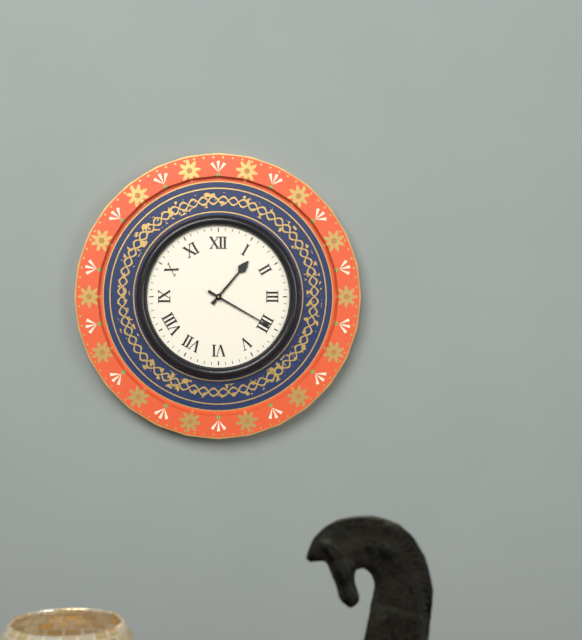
1:20
